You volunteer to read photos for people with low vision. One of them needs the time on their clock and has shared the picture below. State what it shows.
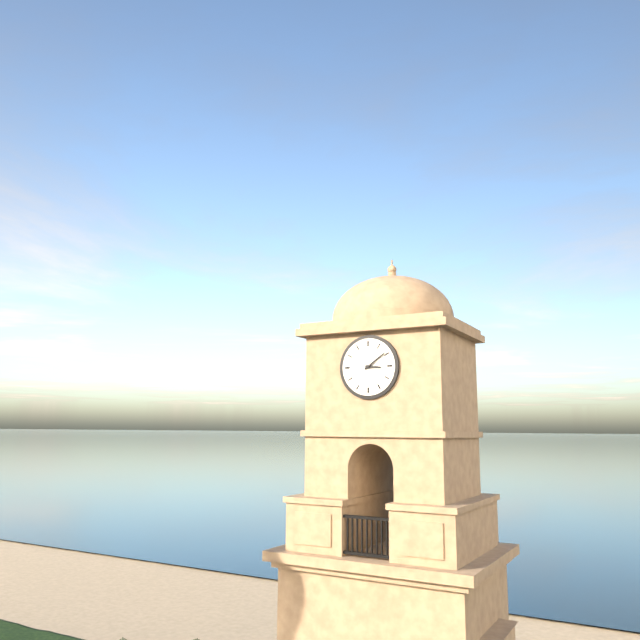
3:09
